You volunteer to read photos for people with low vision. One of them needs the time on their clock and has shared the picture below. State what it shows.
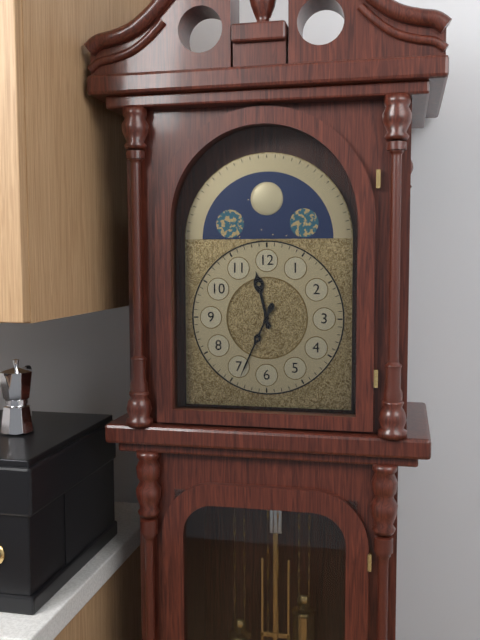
11:34
